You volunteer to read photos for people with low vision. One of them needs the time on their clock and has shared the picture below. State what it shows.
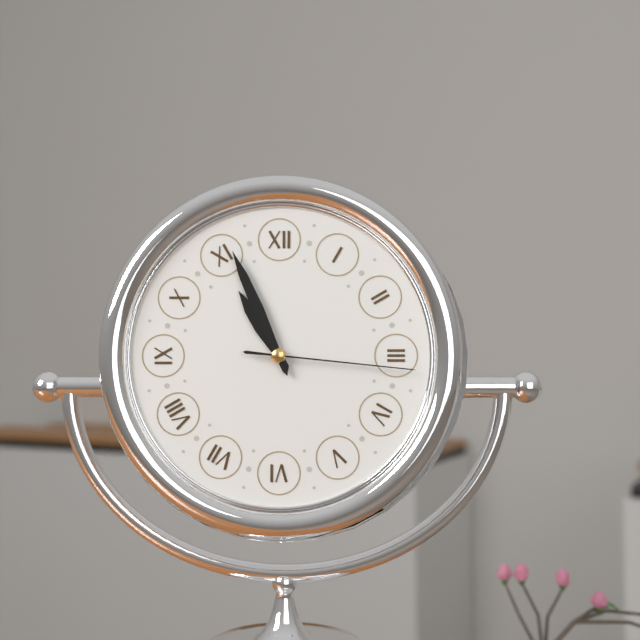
10:56:16
